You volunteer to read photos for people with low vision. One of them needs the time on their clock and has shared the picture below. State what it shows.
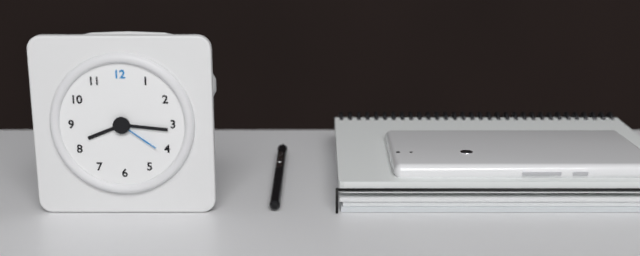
8:16:21
